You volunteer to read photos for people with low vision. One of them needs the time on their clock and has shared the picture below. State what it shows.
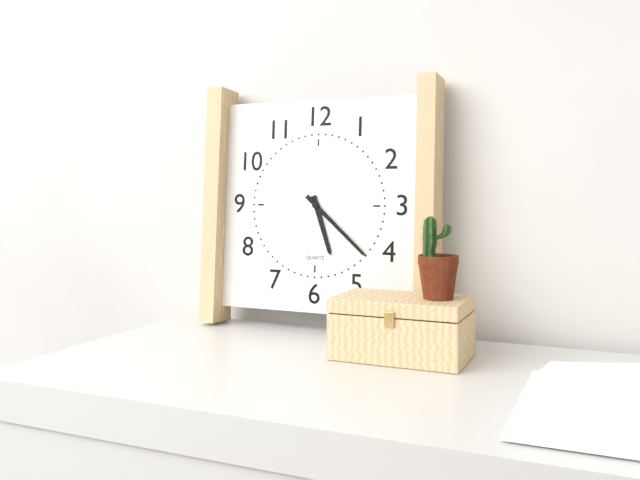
5:22
